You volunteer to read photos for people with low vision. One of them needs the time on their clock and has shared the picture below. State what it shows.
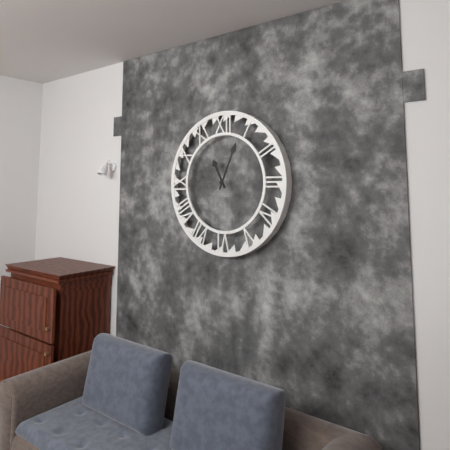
11:04
